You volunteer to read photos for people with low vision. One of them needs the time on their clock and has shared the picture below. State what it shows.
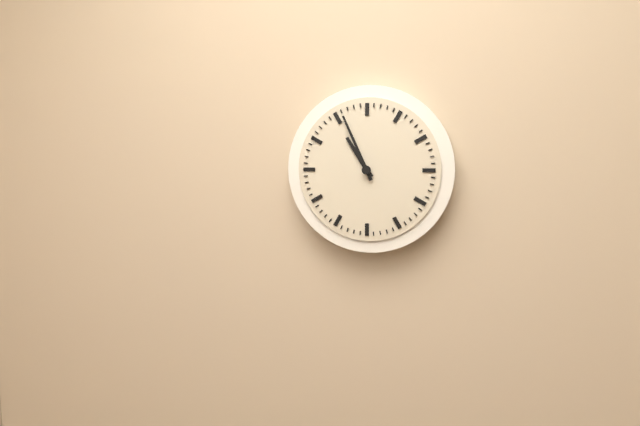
10:56
